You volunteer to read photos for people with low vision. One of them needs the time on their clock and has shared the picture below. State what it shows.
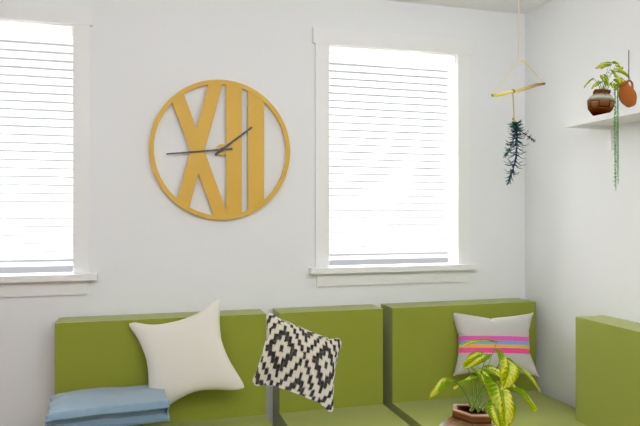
1:44
